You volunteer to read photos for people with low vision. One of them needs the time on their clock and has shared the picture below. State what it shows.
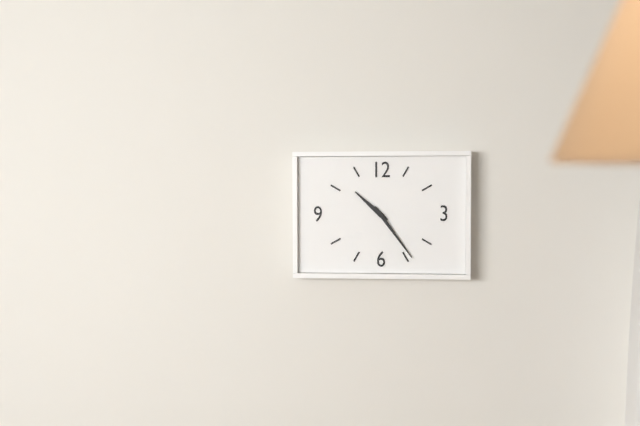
10:24
